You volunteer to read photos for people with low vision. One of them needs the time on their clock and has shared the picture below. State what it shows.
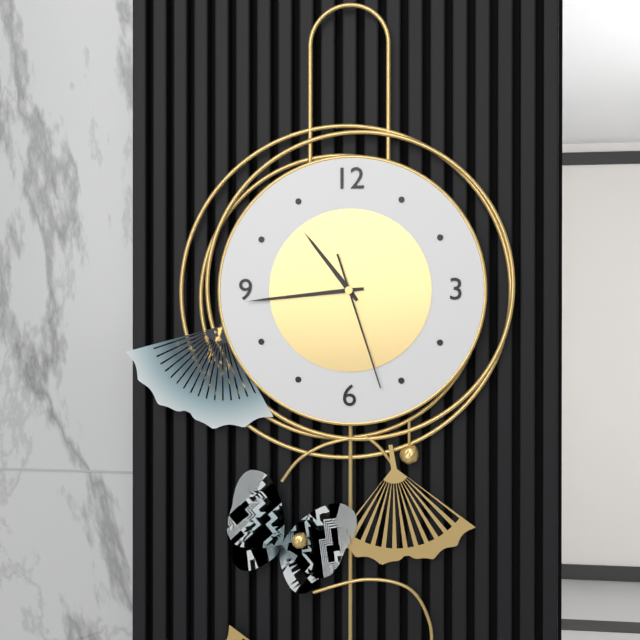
10:44:27
